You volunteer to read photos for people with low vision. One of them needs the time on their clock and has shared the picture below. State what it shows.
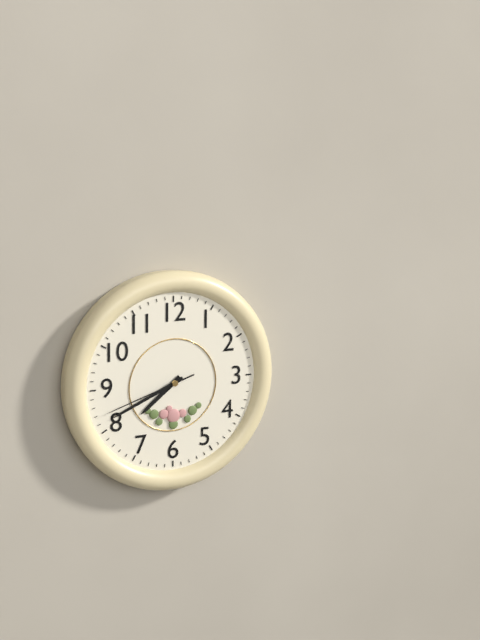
7:41:42
